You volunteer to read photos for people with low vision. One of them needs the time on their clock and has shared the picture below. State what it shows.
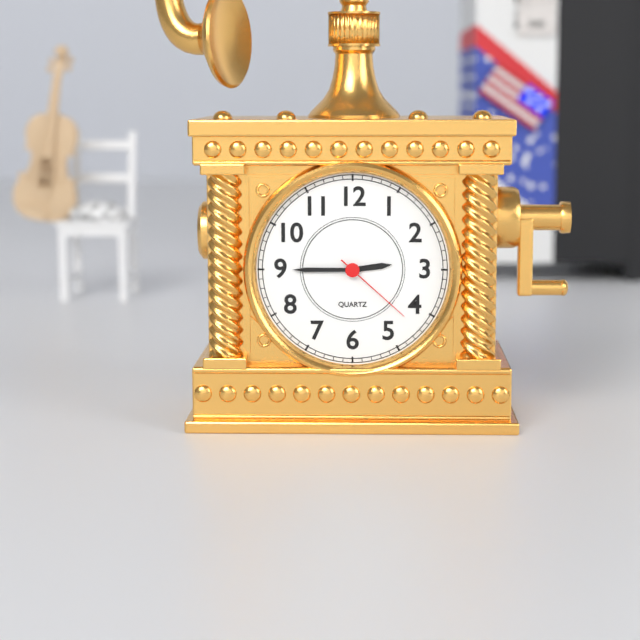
2:45:22
